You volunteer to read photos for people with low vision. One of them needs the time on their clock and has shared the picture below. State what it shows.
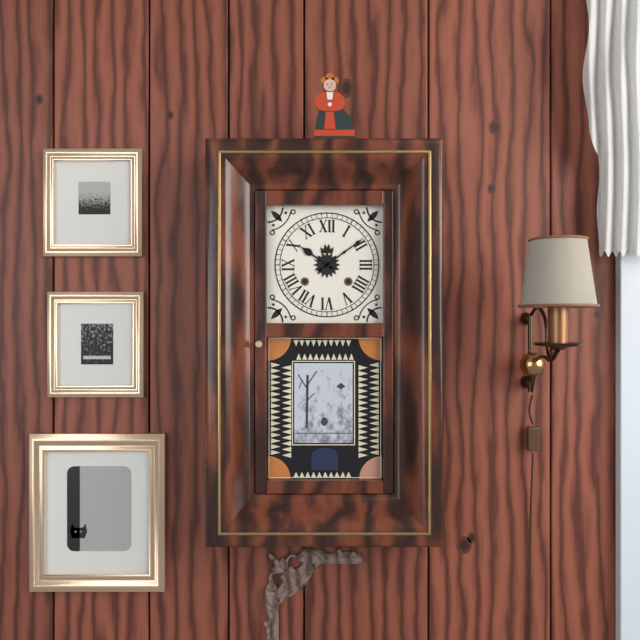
10:09
